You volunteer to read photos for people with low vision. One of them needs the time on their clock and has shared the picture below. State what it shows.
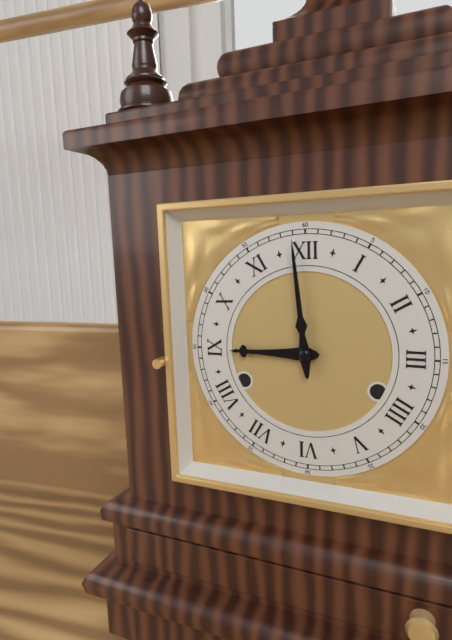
8:59
